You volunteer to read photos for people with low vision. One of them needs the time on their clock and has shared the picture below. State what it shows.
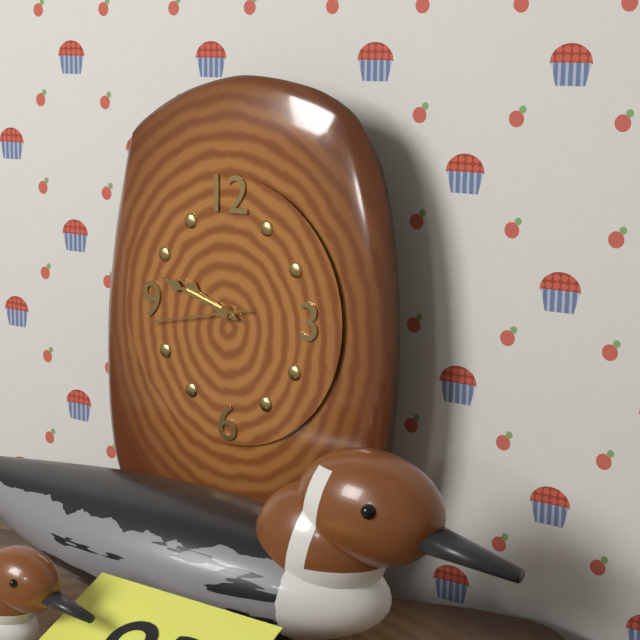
9:48:43
